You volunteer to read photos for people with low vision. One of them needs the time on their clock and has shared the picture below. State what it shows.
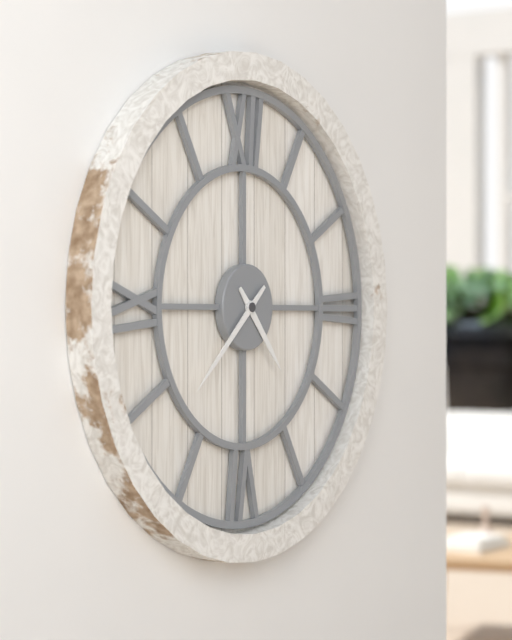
4:38
